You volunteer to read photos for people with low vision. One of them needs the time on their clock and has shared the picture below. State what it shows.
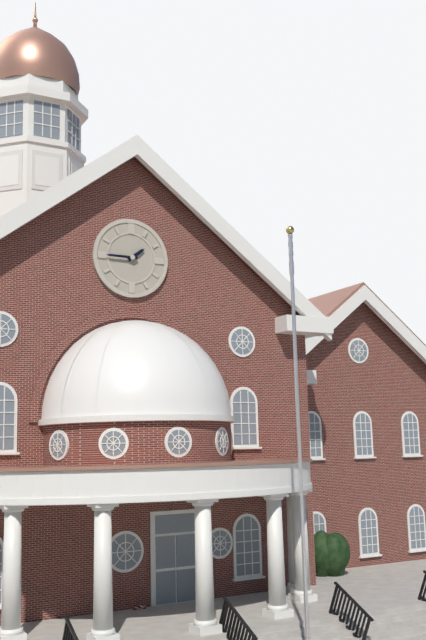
1:45
